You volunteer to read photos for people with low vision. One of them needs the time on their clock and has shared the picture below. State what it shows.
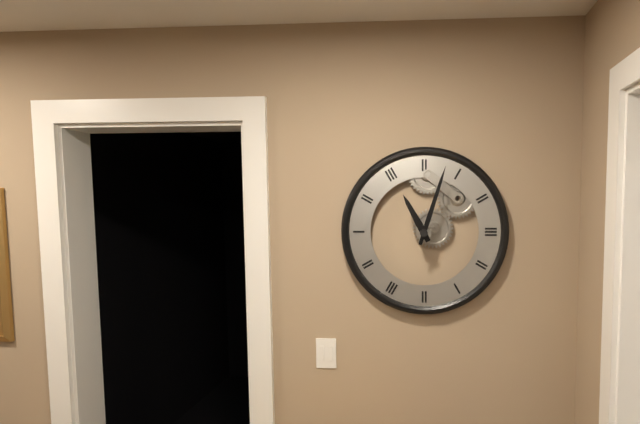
11:03
